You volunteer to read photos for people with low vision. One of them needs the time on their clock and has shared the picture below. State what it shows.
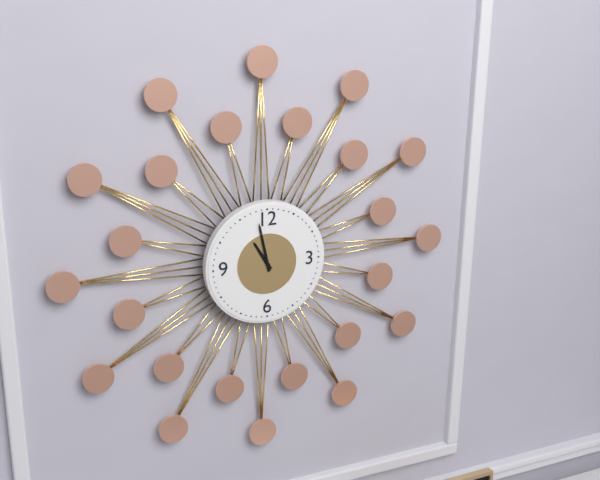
10:58
